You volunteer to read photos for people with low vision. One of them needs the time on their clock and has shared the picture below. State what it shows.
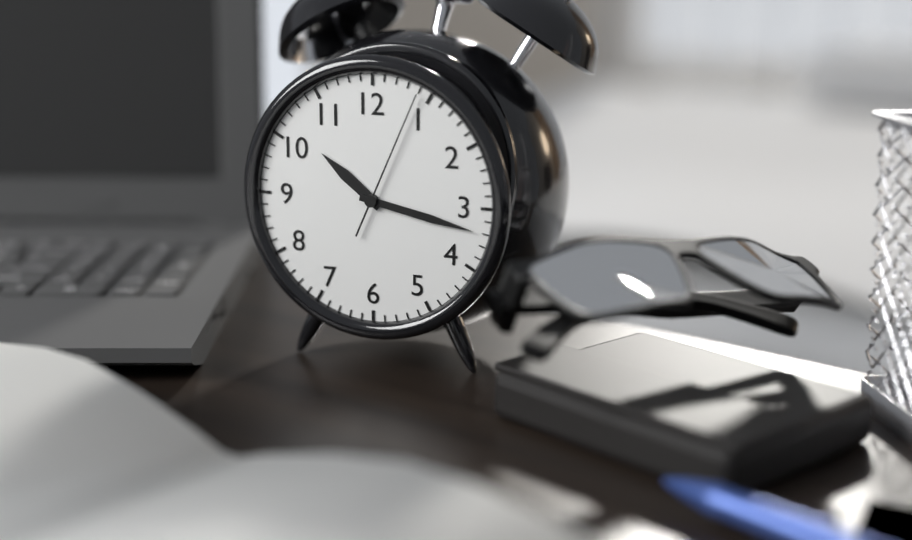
10:17:04
